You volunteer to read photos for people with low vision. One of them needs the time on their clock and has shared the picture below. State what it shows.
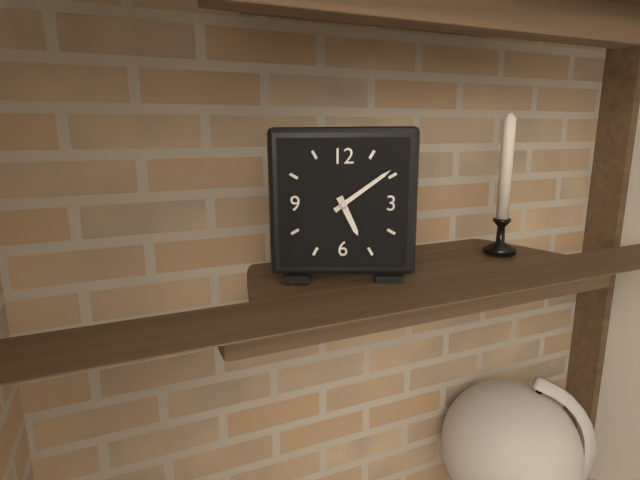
5:09
